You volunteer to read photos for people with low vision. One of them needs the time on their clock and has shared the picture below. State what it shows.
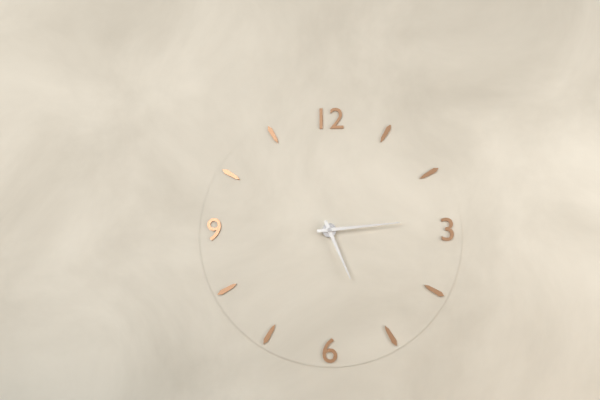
5:14
